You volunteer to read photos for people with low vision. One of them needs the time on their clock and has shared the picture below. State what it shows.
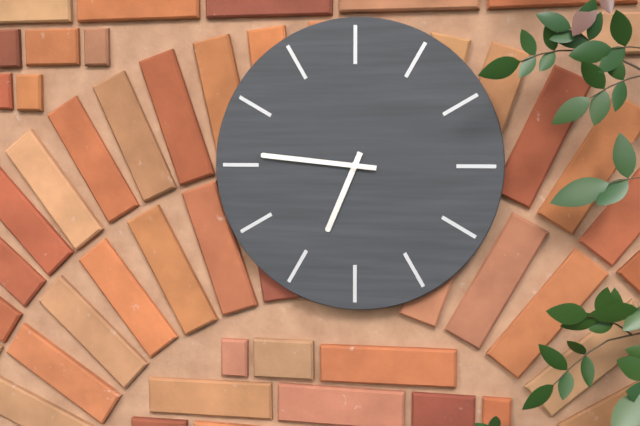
6:46
